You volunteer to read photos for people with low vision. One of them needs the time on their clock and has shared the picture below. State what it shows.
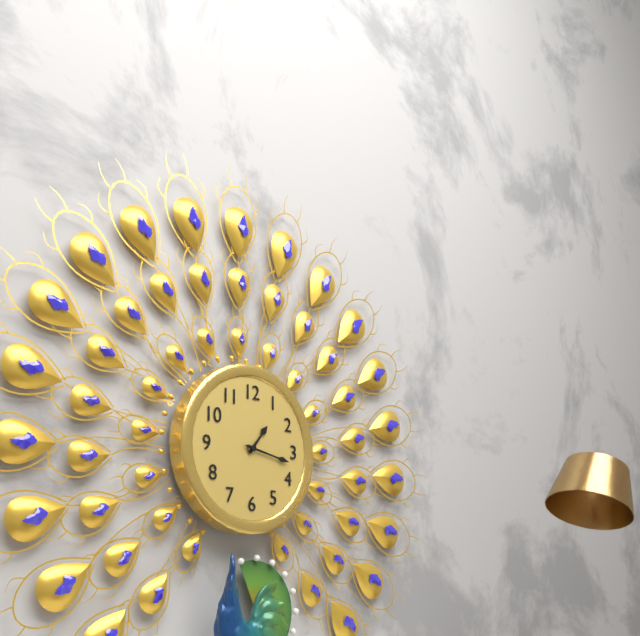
1:17
